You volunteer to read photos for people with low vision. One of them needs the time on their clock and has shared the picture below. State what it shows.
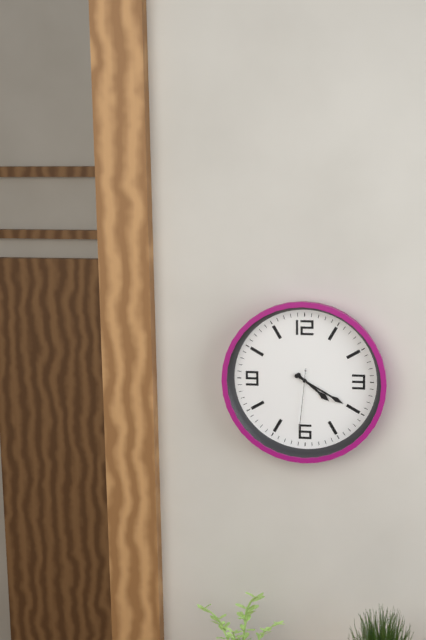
4:20:31
